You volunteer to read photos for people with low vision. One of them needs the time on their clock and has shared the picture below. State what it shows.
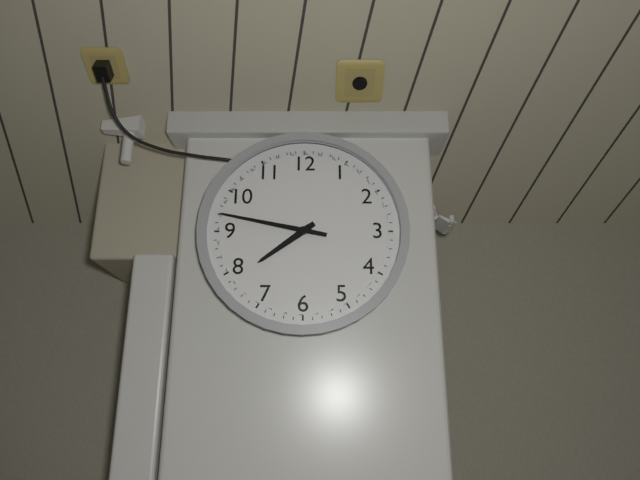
7:47
